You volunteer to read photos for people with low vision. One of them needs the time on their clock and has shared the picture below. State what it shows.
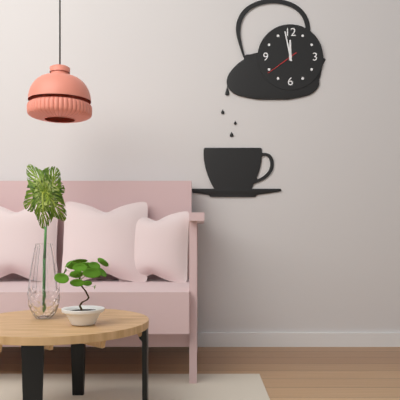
11:58
